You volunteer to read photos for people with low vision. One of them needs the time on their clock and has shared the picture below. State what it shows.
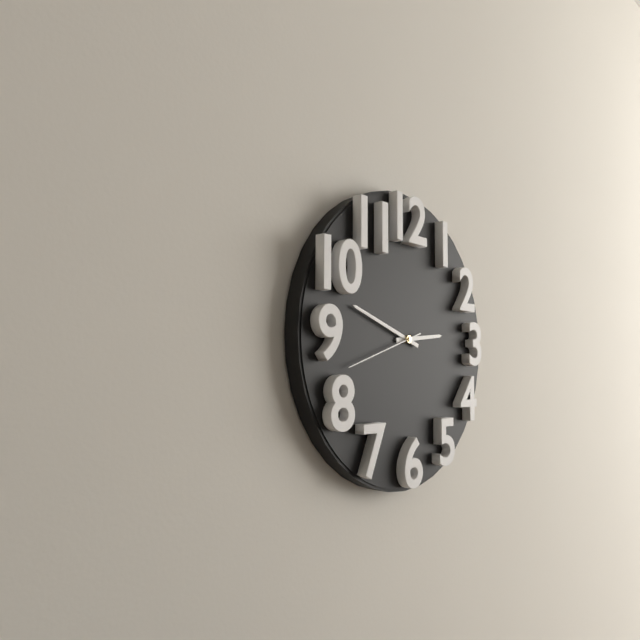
2:48:42
